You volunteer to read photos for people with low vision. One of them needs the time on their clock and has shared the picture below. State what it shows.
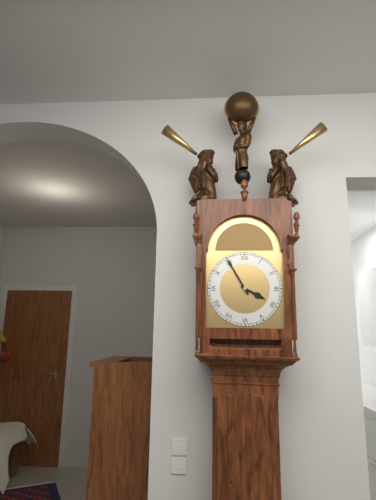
3:55
